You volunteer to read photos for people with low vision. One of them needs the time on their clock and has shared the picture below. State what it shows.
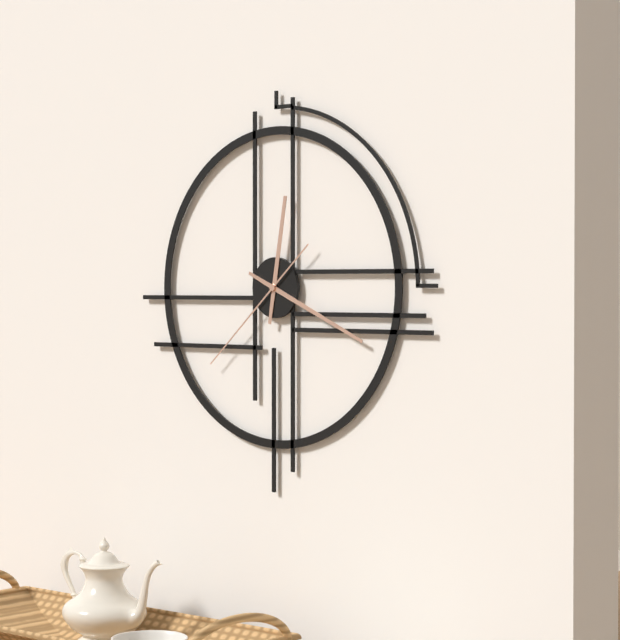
12:19:38
